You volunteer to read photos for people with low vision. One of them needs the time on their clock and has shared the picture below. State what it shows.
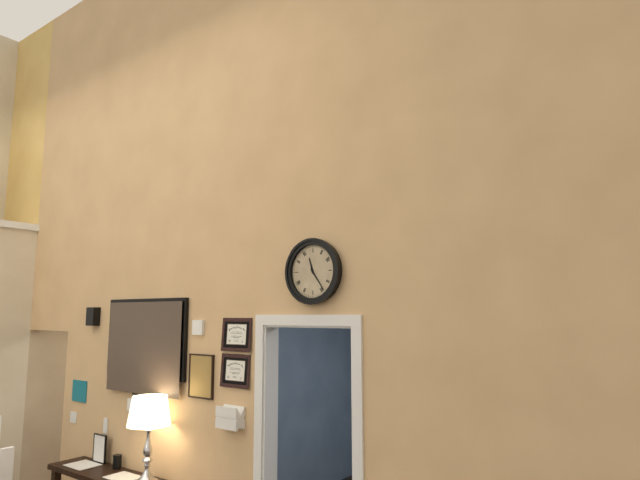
11:24
